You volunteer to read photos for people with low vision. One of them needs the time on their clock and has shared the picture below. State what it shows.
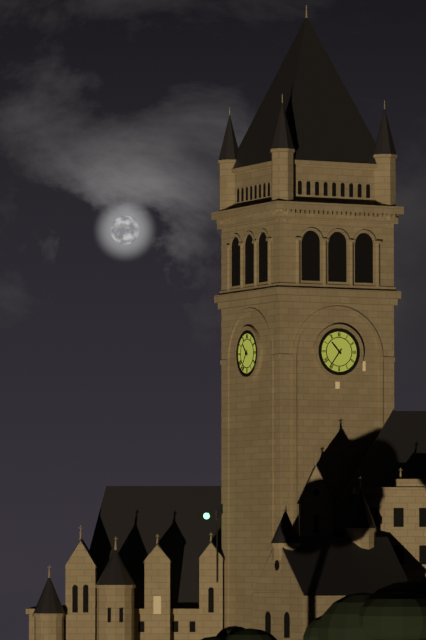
10:36
